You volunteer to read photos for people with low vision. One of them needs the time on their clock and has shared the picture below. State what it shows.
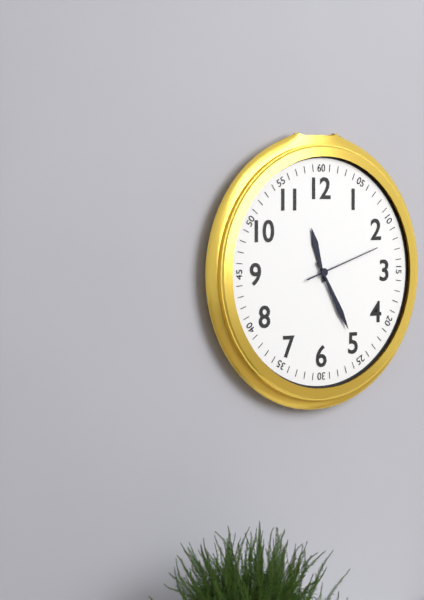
11:25:12
